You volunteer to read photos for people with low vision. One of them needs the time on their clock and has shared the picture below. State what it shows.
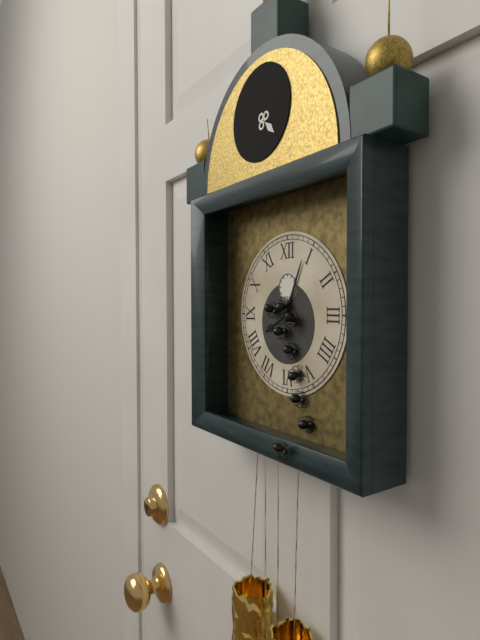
8:04
